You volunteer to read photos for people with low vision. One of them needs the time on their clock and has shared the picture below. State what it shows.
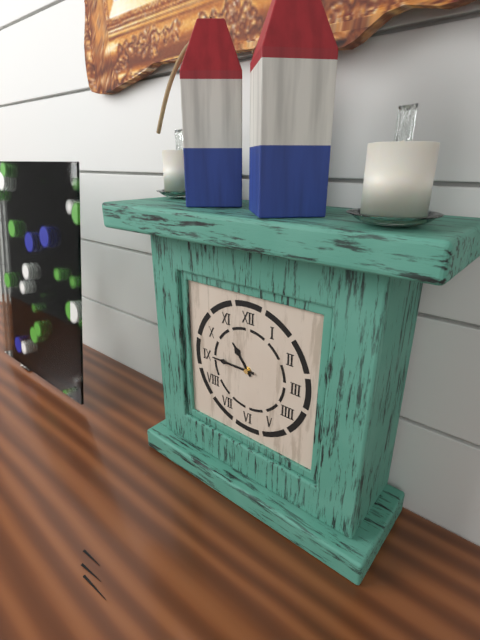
10:45
